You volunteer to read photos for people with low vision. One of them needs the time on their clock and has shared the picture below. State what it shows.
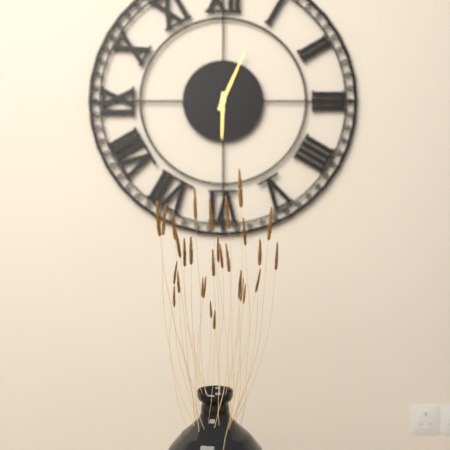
6:04
